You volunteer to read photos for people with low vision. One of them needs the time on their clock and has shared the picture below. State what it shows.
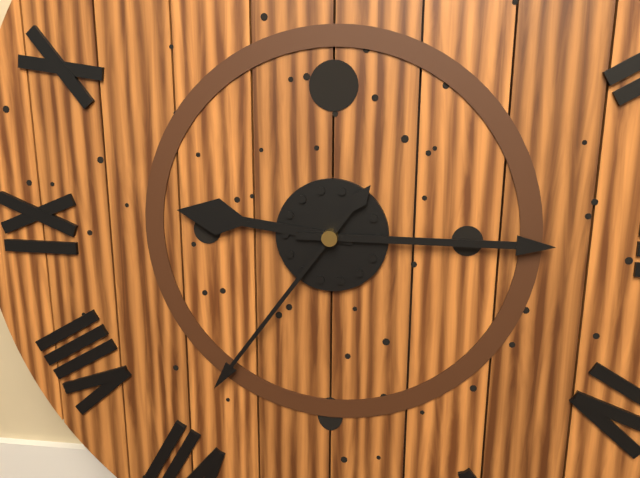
9:15:36
